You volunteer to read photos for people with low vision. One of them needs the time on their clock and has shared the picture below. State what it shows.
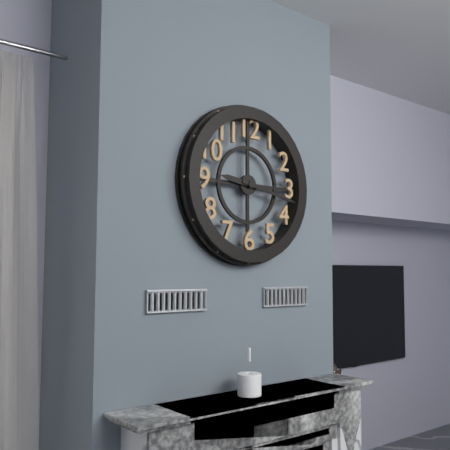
9:17
